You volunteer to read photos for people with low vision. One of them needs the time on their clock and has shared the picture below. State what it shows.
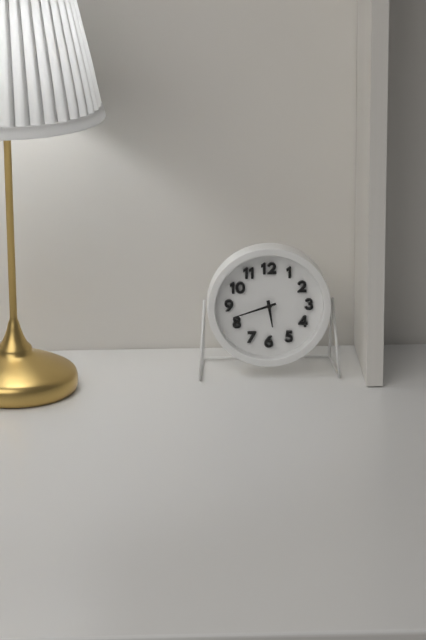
5:42
